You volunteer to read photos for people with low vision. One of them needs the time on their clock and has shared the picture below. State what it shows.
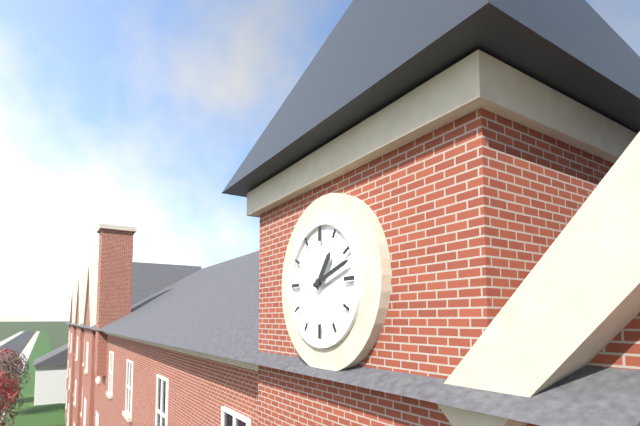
1:12
